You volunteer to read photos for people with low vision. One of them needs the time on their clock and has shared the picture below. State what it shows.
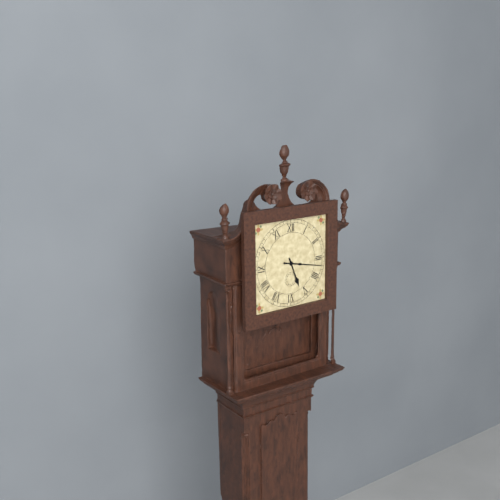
5:17
